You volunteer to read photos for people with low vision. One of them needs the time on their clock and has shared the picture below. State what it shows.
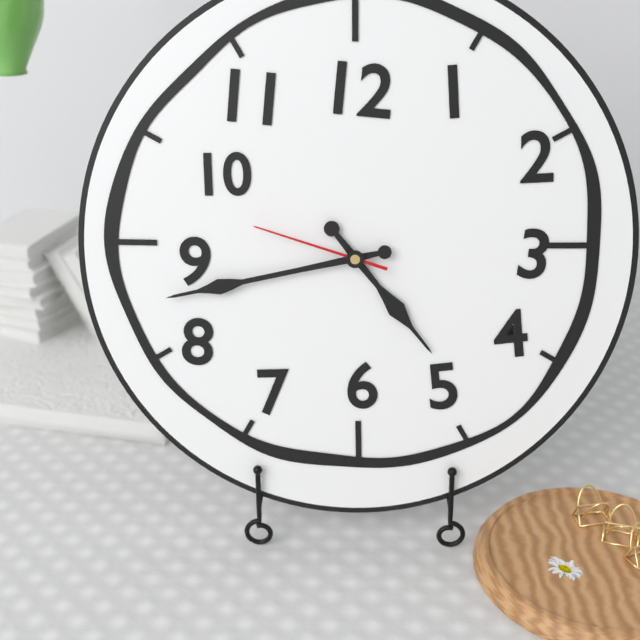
4:43:48
